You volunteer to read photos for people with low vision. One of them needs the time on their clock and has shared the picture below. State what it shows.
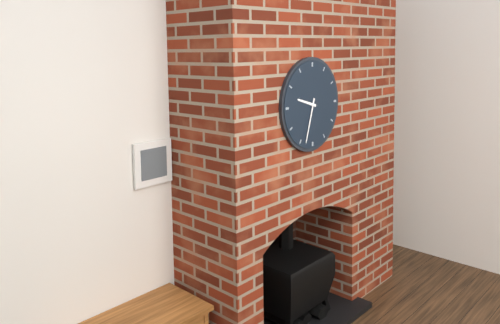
9:33
